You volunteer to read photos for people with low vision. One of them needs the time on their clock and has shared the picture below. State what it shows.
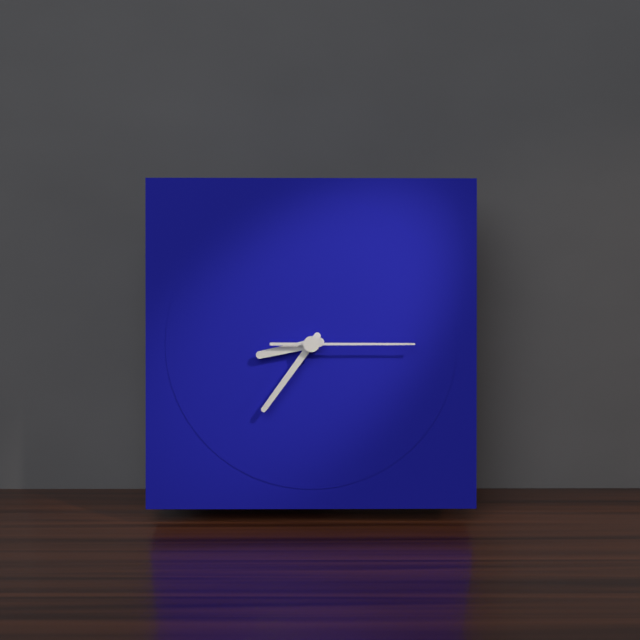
8:36:15
